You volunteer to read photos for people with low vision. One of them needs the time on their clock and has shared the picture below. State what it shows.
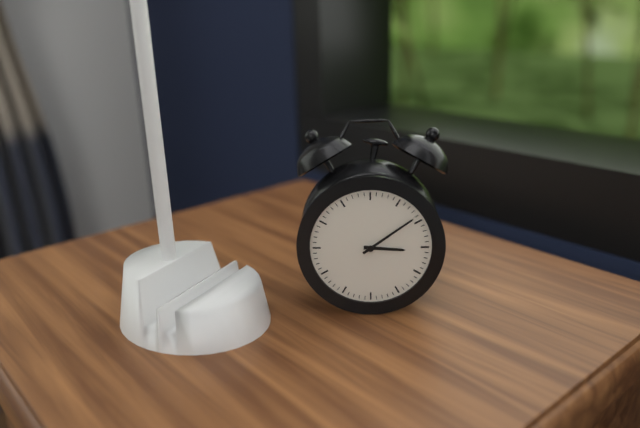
3:09
